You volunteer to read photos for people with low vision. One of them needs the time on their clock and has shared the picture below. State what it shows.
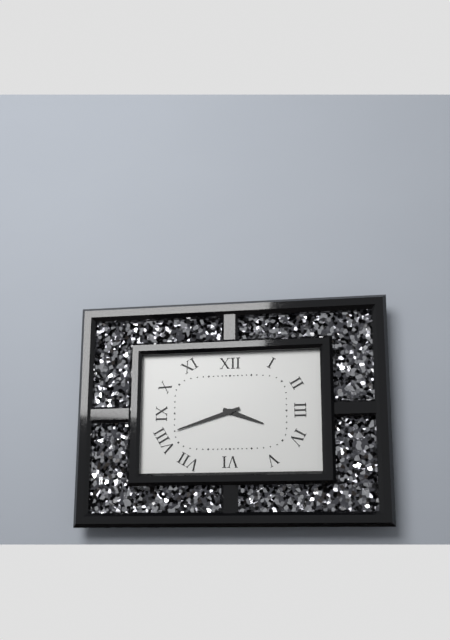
3:42
